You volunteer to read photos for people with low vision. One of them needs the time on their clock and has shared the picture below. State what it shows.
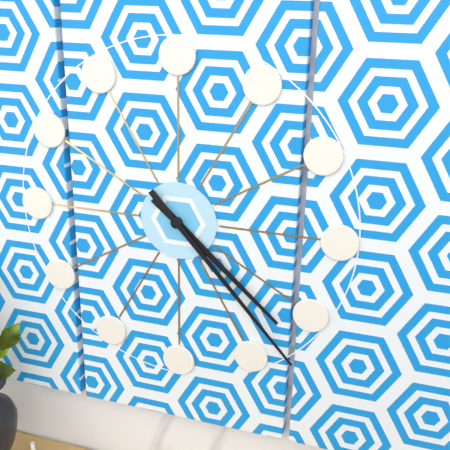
4:23
